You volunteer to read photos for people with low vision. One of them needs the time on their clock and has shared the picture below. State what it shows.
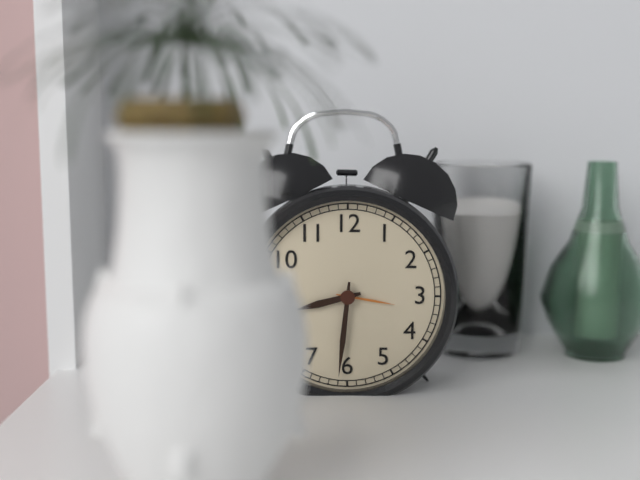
8:31
